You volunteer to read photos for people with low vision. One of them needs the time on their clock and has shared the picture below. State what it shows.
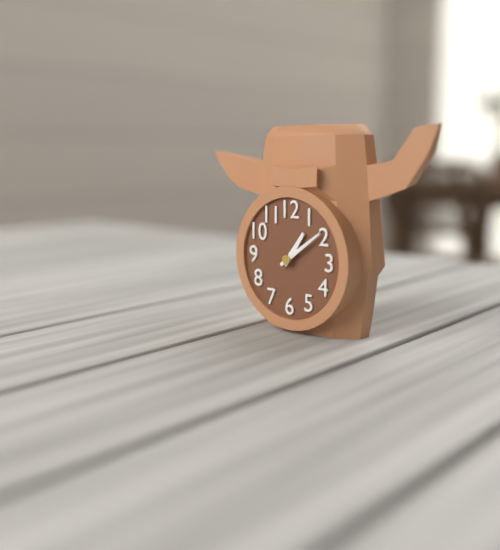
1:09
